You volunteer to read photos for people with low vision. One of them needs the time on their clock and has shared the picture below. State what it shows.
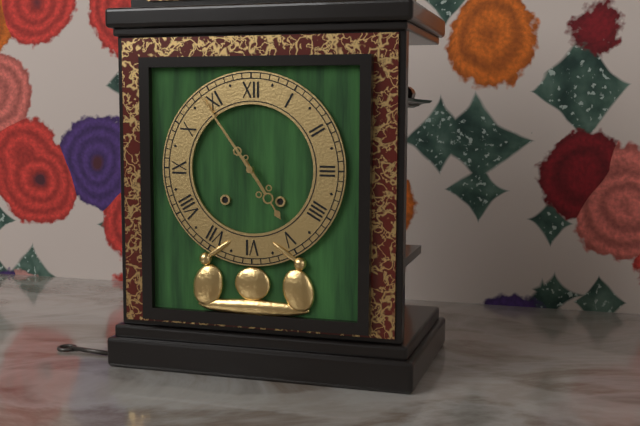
4:54
